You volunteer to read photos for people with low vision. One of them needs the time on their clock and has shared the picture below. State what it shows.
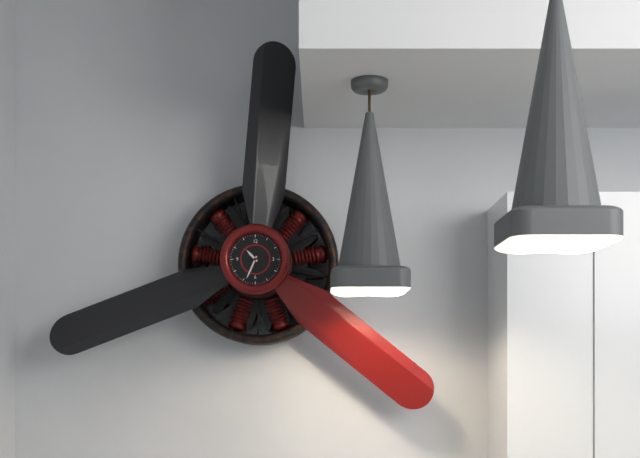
10:34
